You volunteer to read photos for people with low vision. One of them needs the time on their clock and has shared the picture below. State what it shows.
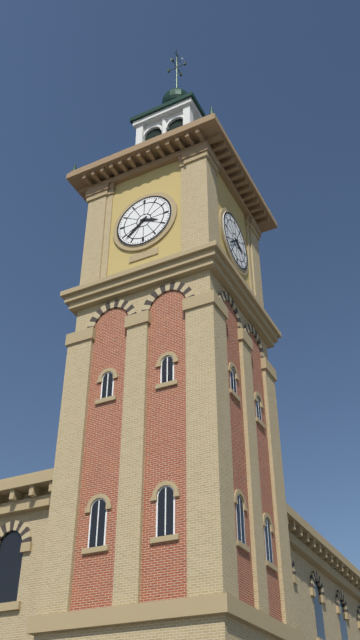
3:38
